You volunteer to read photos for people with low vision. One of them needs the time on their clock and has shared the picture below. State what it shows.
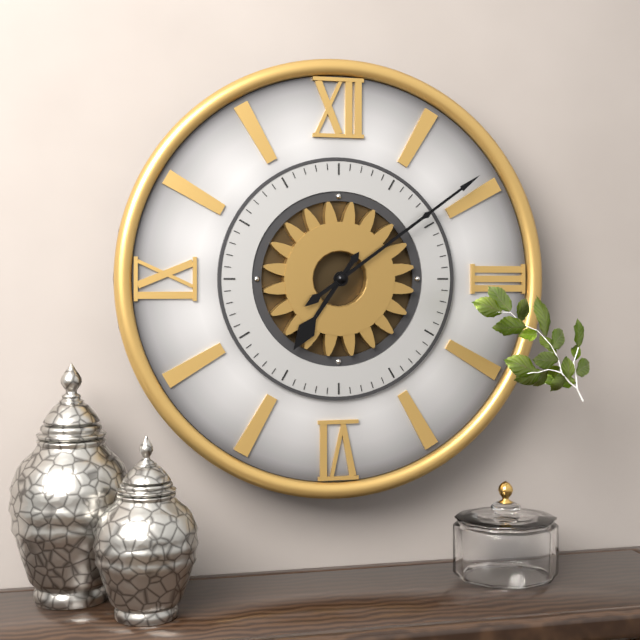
7:09
